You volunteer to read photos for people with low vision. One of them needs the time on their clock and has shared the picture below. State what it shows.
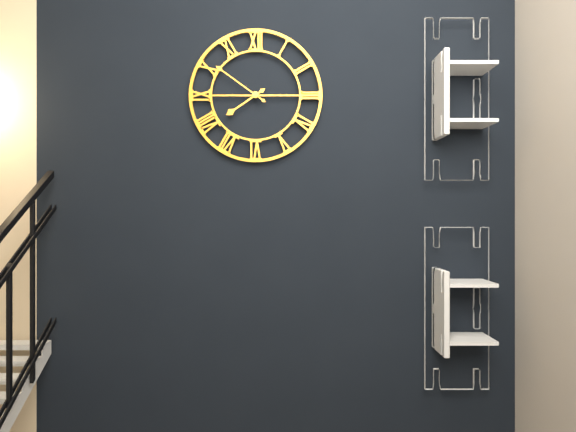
7:51
